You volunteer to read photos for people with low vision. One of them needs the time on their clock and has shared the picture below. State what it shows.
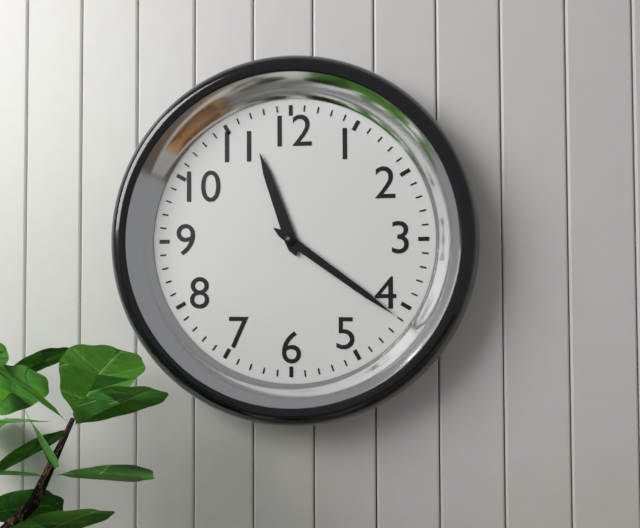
11:21
